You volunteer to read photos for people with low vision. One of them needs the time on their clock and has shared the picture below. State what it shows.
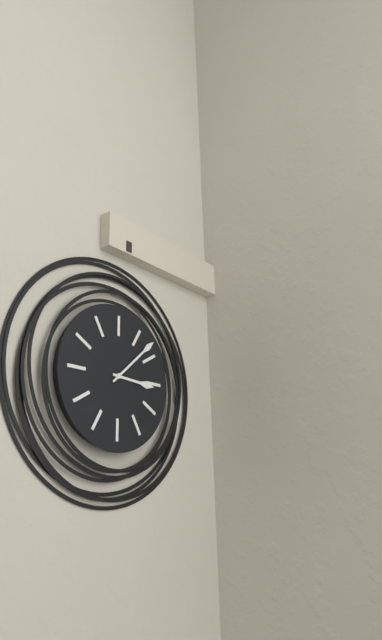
3:08
